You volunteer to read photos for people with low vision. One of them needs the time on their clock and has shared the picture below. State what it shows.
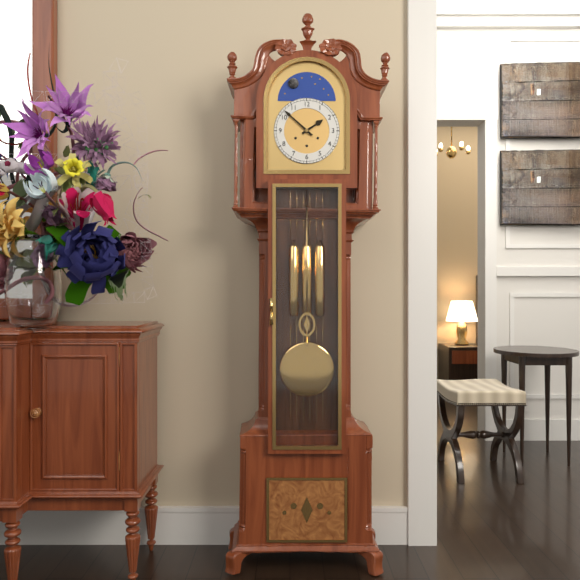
1:52
